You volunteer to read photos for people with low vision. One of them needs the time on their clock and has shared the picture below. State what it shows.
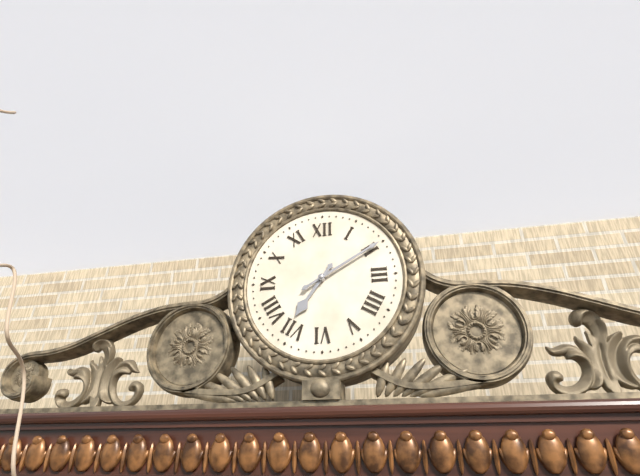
7:10
